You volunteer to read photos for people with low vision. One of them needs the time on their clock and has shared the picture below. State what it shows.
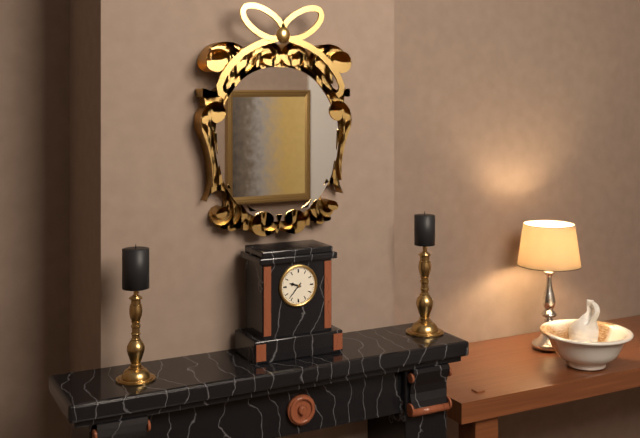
9:37
